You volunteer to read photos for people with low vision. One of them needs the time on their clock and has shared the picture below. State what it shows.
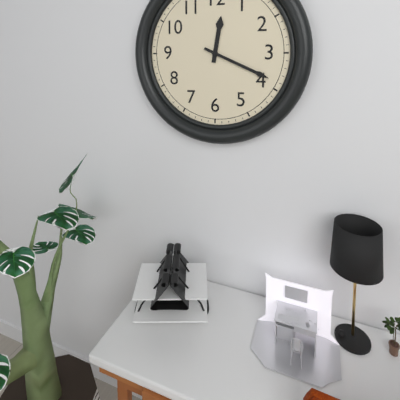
12:19
